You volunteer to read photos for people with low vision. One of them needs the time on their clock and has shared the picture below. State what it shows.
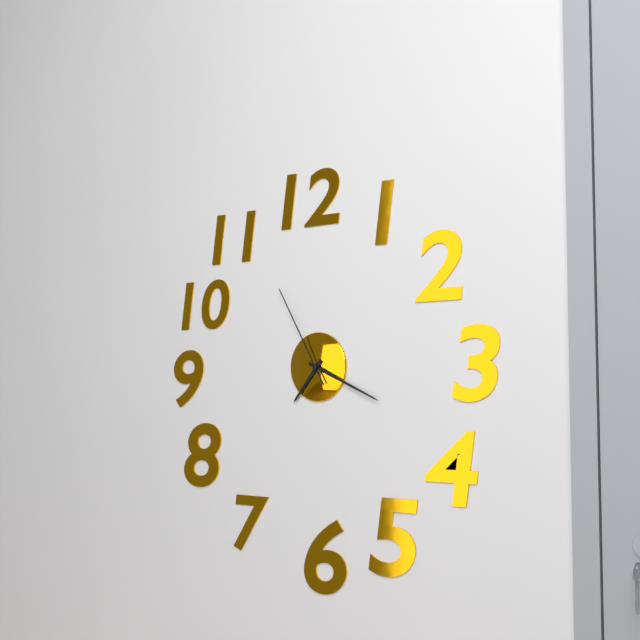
7:19:55
